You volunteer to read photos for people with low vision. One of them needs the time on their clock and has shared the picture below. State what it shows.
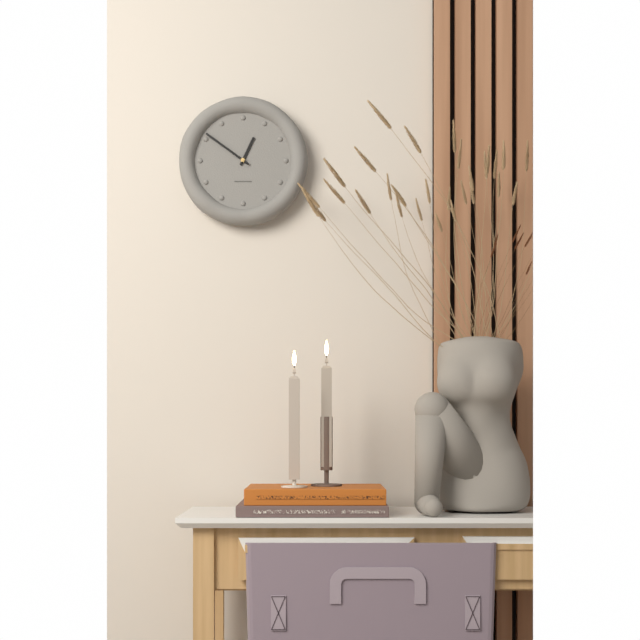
12:51
